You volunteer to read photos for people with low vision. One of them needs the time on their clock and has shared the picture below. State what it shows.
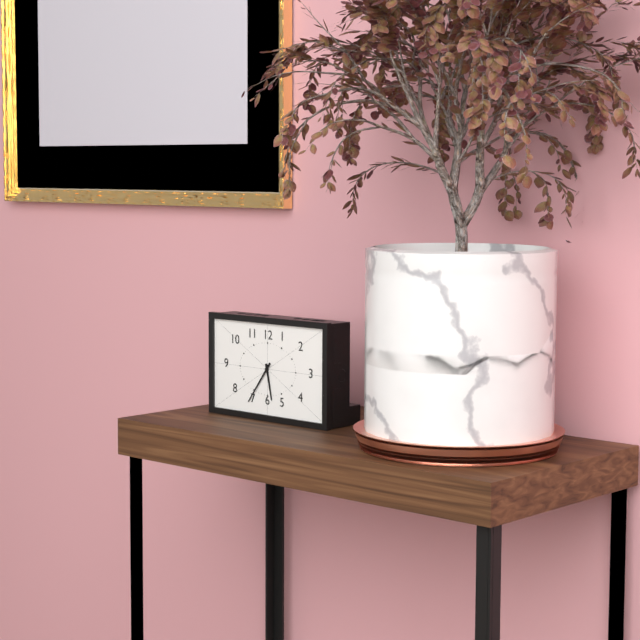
5:36
